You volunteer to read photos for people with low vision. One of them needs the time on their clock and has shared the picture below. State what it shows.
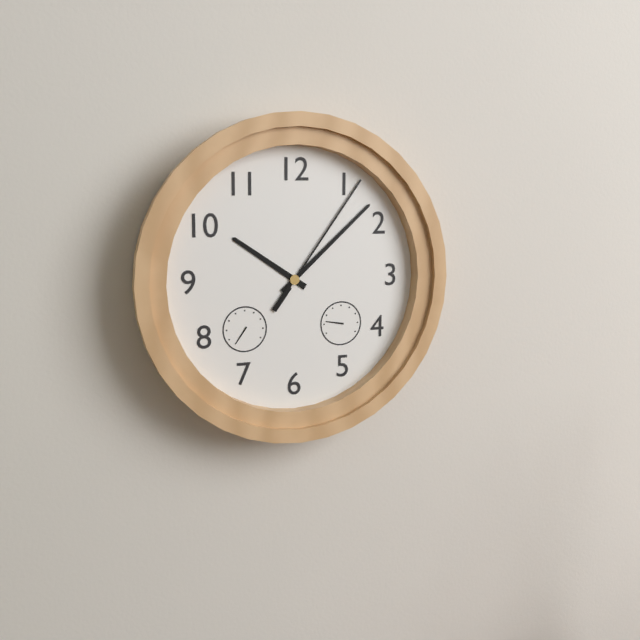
10:08:06
